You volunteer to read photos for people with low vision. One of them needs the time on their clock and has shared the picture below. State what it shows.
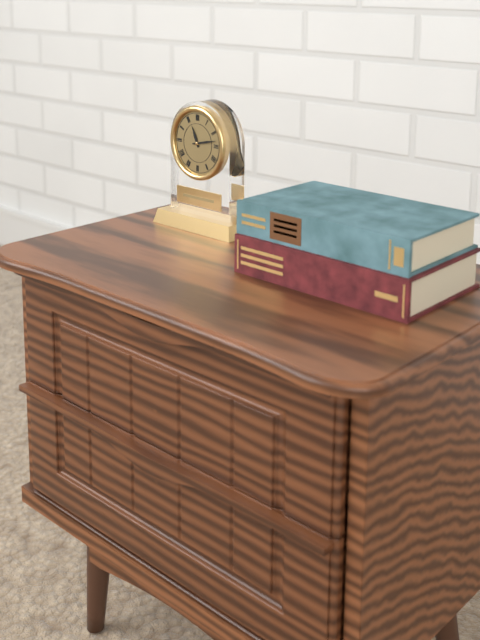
11:13
